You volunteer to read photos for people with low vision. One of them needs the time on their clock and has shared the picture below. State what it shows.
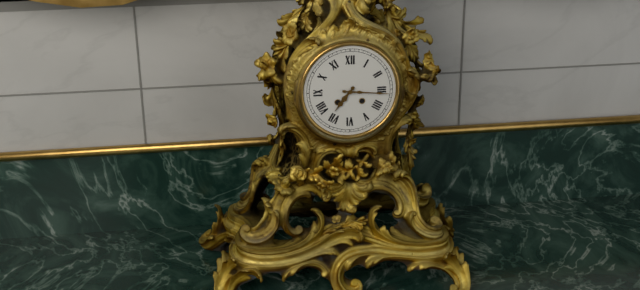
7:16
